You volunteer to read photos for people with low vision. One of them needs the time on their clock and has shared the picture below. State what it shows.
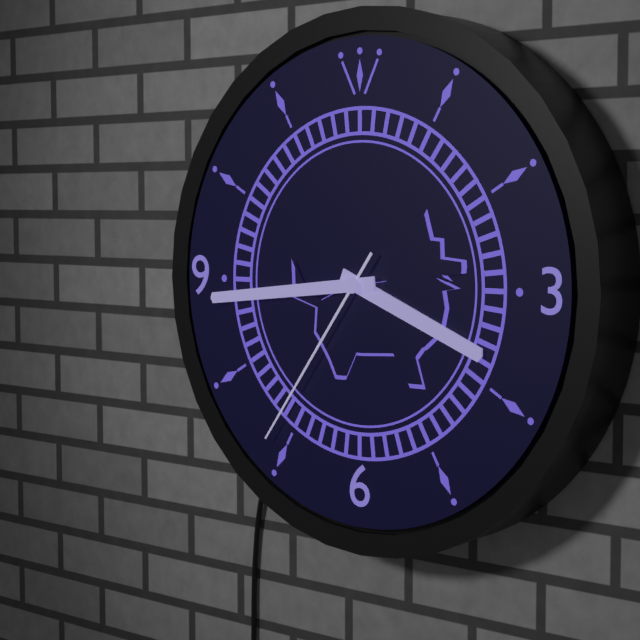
3:44:36
